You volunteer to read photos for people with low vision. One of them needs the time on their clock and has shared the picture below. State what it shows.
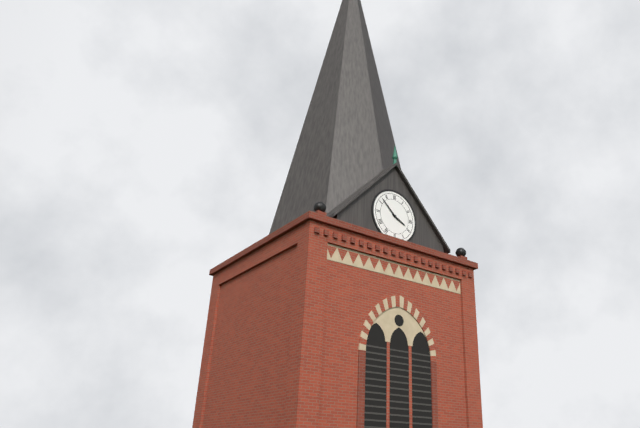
3:52
